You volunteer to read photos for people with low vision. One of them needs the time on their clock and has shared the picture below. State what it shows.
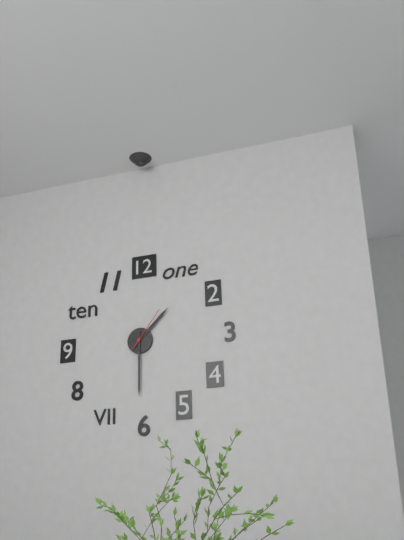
1:30
